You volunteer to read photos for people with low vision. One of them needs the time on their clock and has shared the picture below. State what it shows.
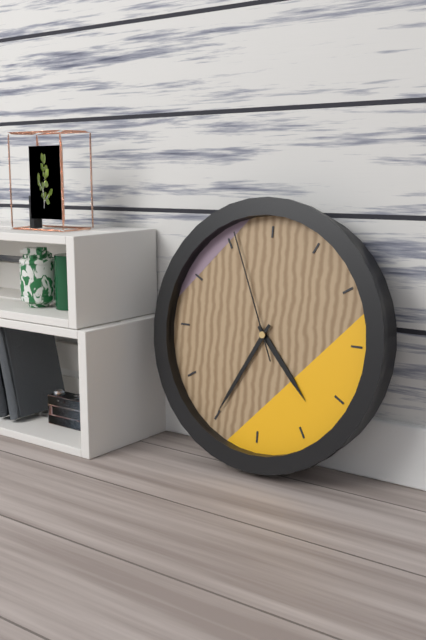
4:35:56
